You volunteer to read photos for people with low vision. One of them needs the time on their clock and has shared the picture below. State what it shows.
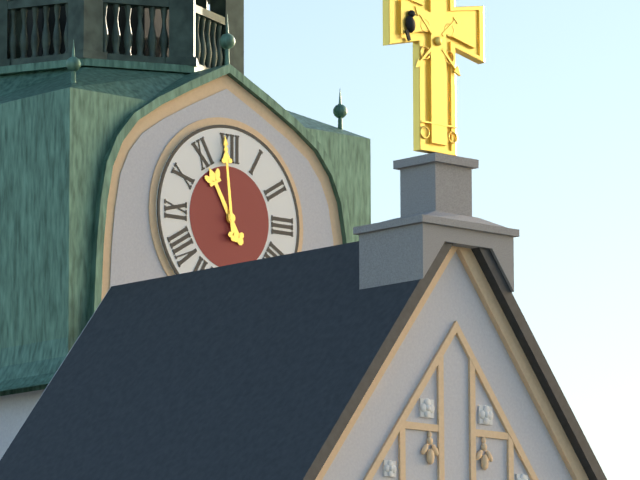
10:59
